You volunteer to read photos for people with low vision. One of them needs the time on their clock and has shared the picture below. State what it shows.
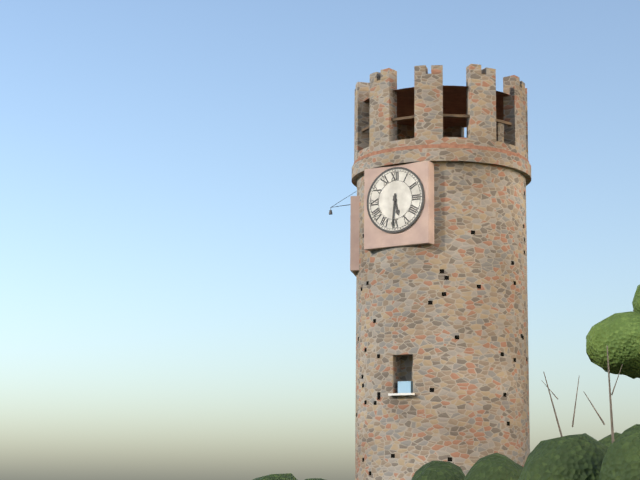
5:31
